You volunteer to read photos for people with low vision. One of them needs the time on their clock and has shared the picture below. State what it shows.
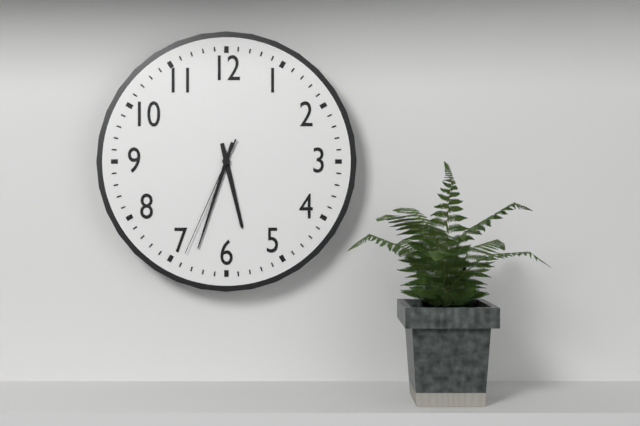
5:33:34
